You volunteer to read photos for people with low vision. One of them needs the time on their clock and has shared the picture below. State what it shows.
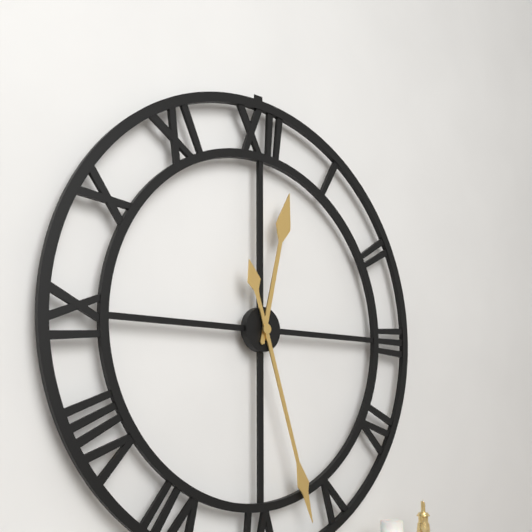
12:27
